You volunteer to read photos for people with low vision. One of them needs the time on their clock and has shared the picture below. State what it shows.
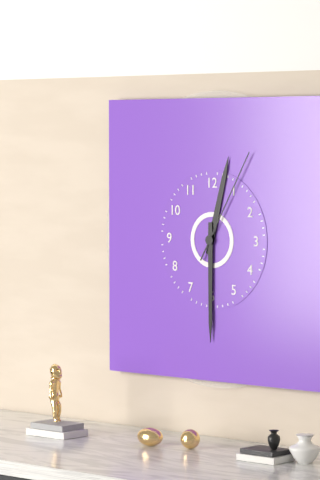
12:30:05
